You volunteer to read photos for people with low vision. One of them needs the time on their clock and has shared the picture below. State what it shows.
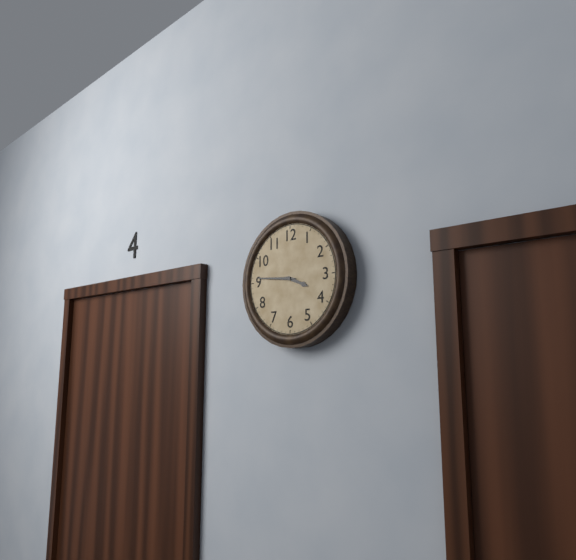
3:46
